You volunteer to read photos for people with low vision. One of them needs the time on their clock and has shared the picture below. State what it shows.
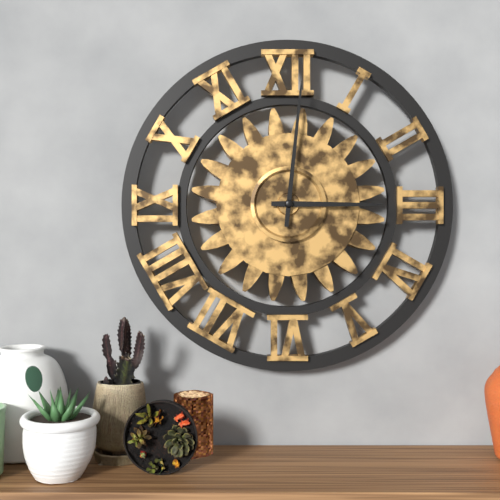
3:01
